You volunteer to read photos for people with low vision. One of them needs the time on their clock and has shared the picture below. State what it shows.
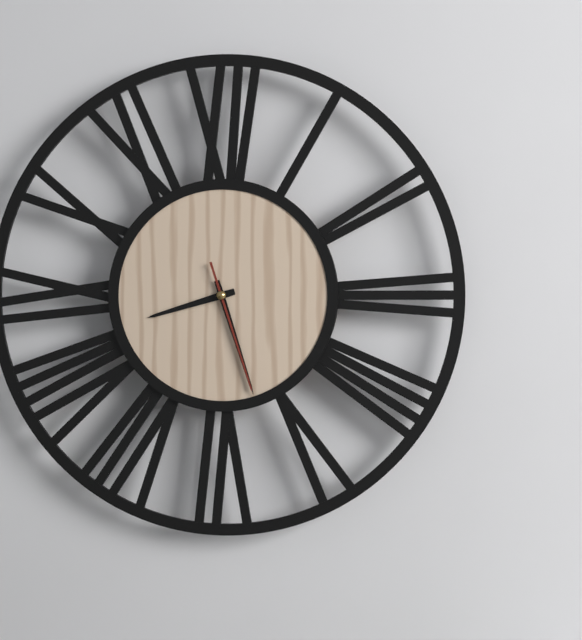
8:27:27
